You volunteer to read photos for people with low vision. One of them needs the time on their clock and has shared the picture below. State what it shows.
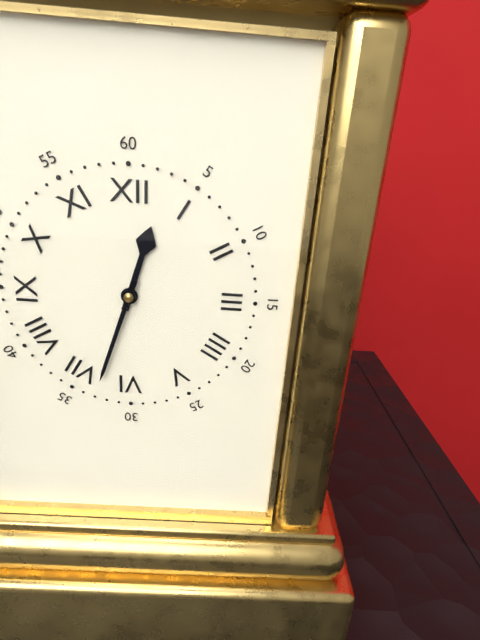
12:33
